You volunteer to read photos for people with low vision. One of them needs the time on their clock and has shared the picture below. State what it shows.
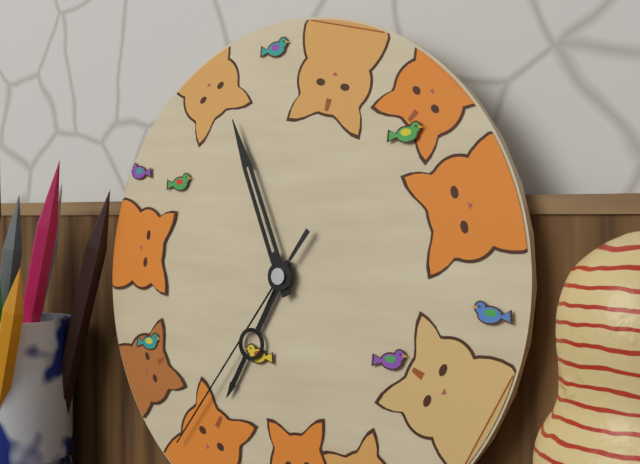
6:56:36
